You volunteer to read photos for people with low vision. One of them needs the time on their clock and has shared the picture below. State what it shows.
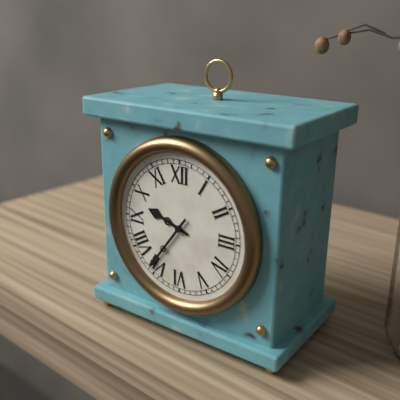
9:36
